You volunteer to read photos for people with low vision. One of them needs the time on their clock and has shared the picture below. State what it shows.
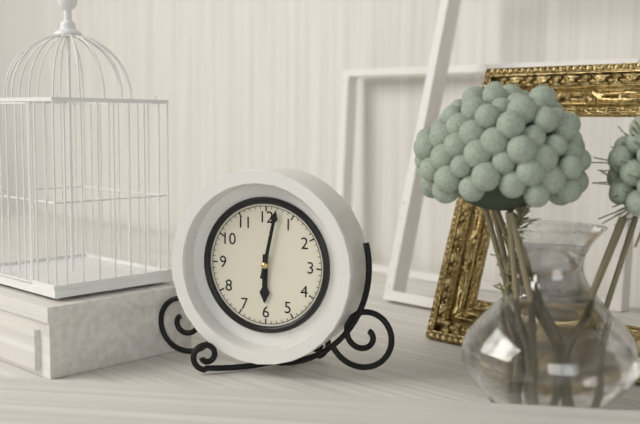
6:02
